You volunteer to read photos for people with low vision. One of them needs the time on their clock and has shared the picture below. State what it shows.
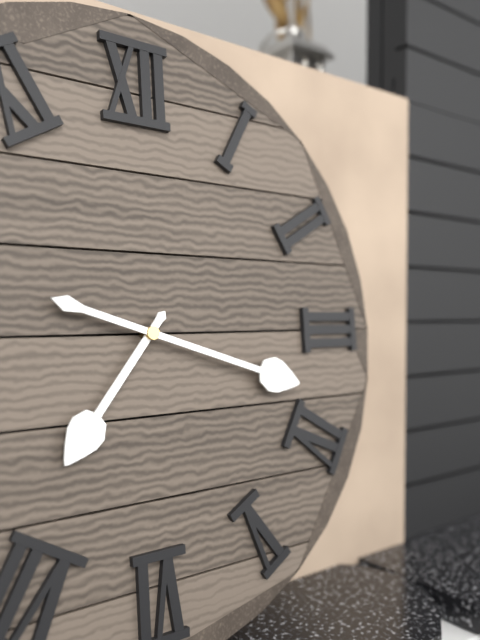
7:18
